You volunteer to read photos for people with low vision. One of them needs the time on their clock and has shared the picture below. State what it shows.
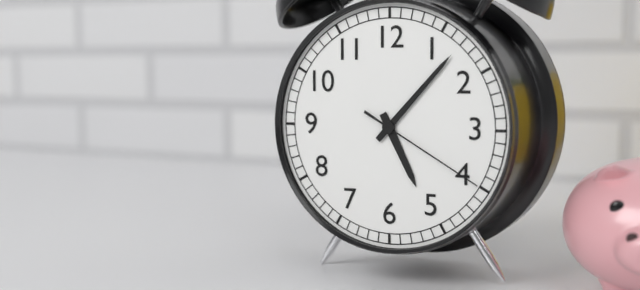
5:07:20
